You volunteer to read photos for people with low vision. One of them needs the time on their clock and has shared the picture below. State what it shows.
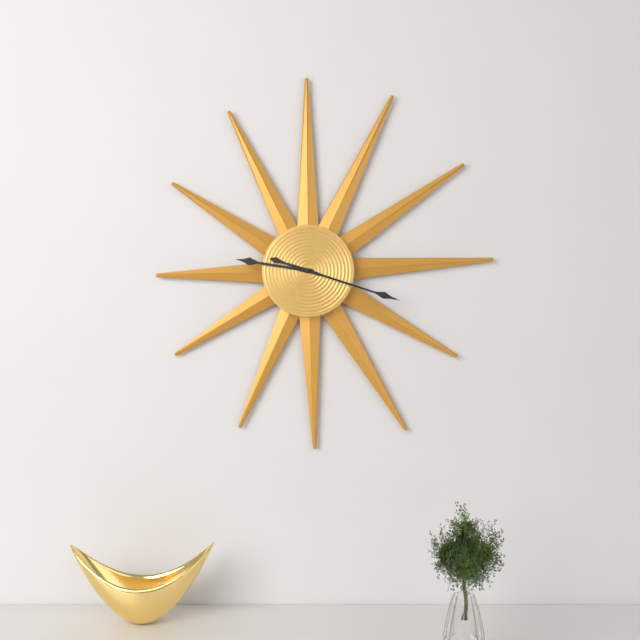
9:18
